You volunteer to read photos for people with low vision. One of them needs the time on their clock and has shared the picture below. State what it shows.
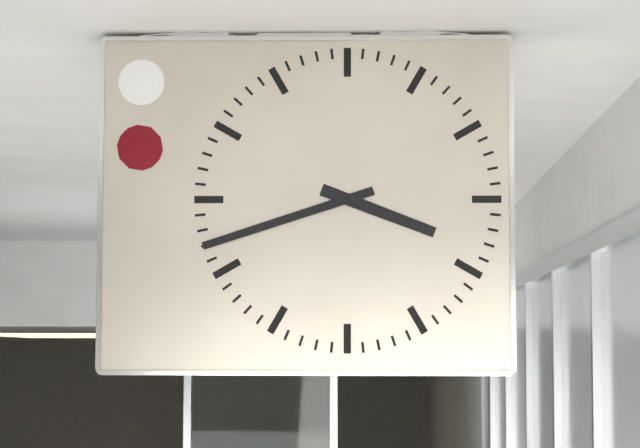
3:42
